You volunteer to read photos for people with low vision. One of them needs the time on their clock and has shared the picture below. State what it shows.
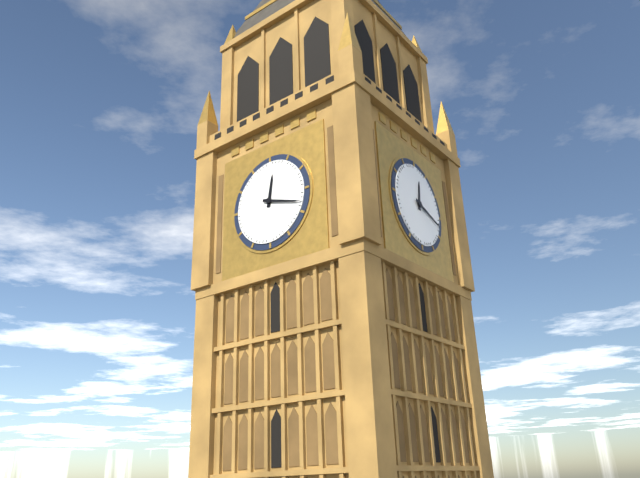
12:18
